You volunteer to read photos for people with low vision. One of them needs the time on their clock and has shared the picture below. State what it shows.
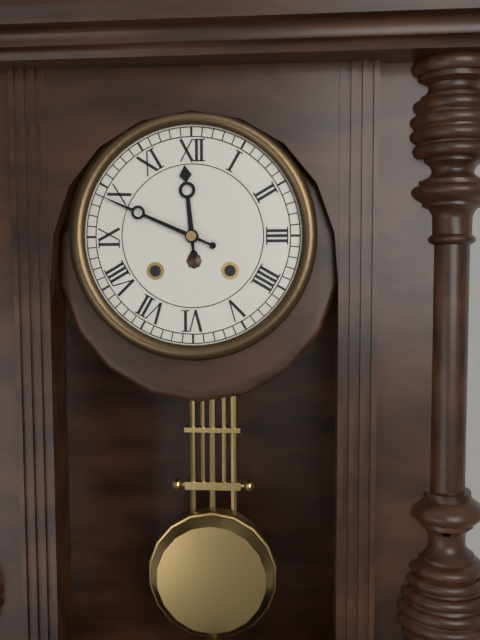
11:49
